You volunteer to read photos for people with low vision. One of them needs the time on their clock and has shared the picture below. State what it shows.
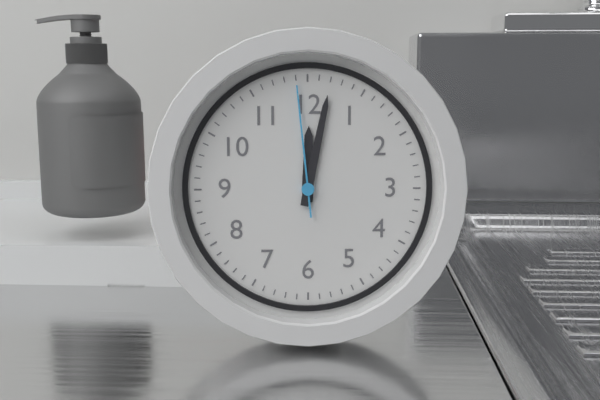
12:02:59
